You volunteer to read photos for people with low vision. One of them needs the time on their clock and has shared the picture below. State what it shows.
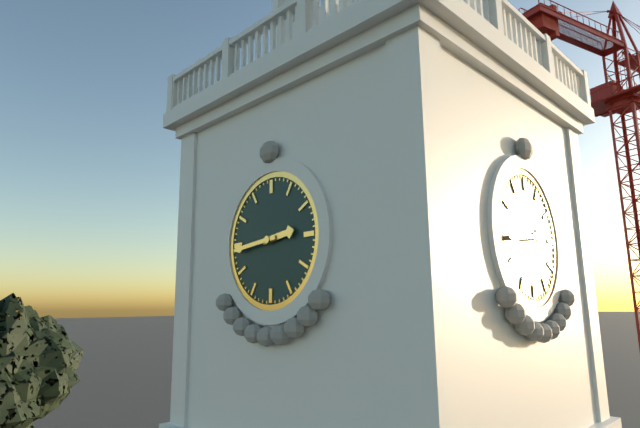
2:44
